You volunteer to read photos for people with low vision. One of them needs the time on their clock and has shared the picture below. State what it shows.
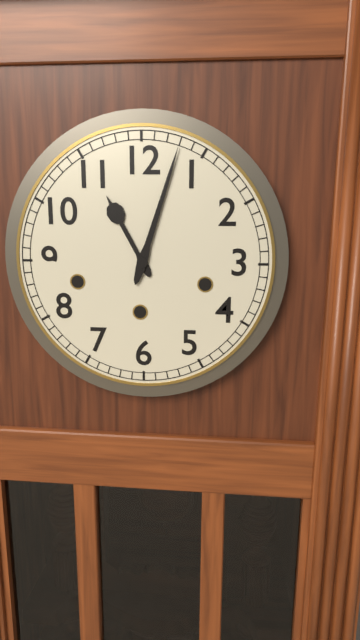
11:03
